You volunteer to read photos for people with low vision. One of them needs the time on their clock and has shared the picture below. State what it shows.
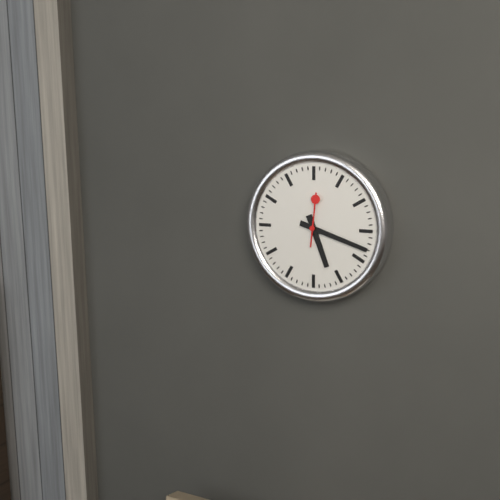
5:18
